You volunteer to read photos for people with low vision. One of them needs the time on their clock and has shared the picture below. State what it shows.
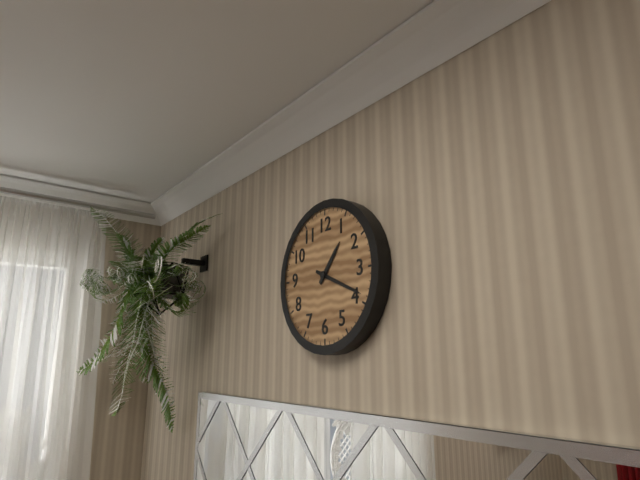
1:19
